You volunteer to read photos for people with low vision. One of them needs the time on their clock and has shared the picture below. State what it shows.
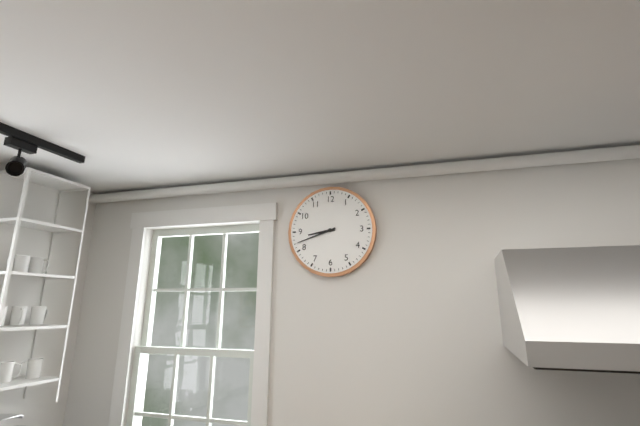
8:42
